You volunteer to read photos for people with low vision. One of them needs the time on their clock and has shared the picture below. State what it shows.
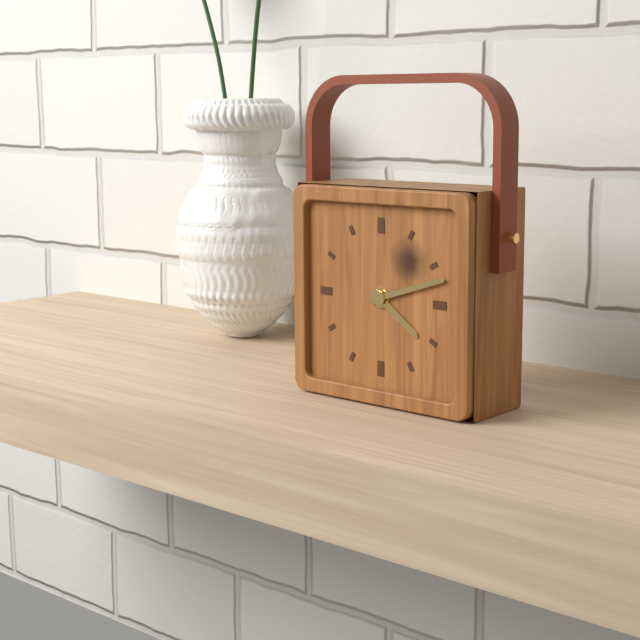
4:12
